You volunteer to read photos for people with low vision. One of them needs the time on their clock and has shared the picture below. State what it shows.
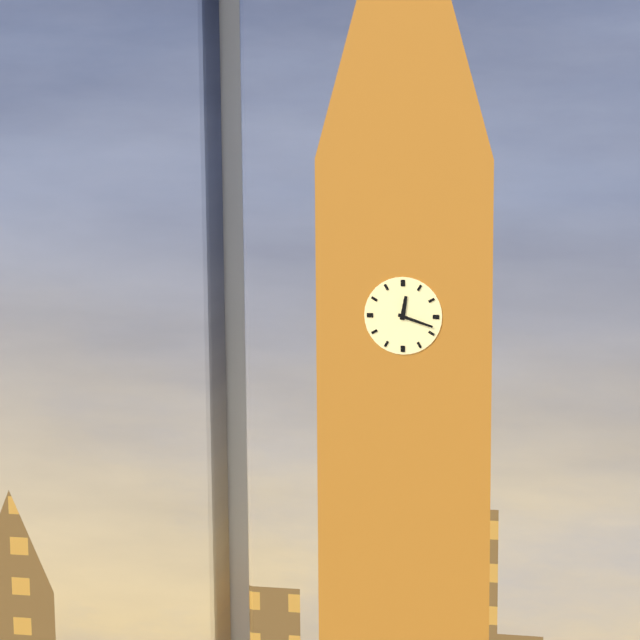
12:18
